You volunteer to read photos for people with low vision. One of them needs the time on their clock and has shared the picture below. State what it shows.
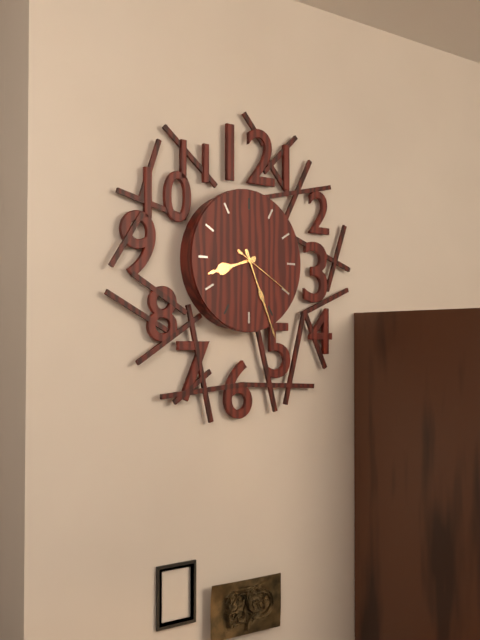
8:26:20
